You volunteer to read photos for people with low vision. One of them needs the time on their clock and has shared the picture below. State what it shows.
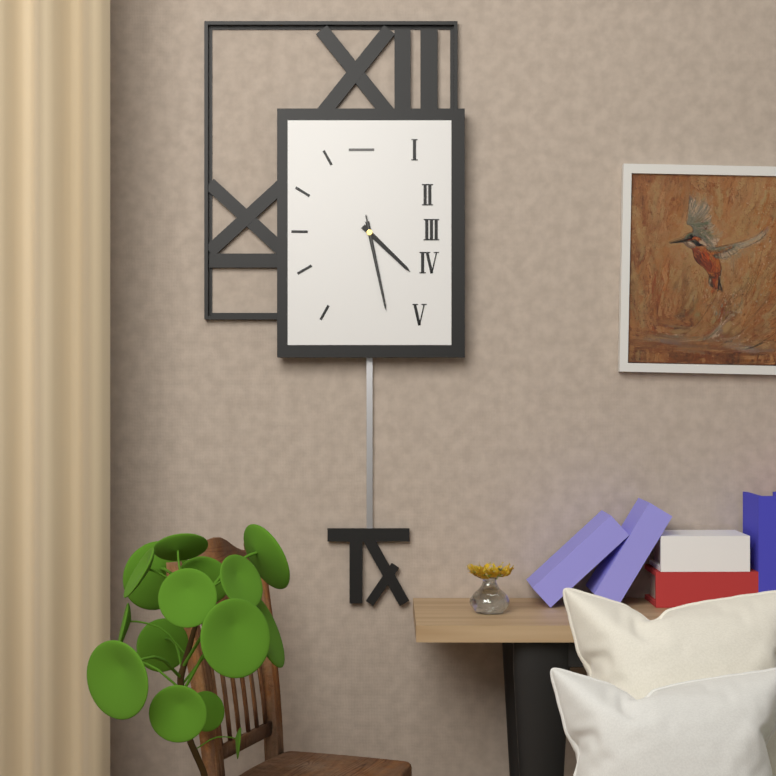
4:28:28
